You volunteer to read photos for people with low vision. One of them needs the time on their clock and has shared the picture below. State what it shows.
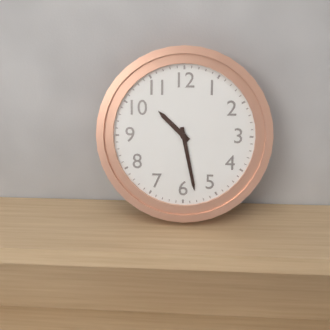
10:28
